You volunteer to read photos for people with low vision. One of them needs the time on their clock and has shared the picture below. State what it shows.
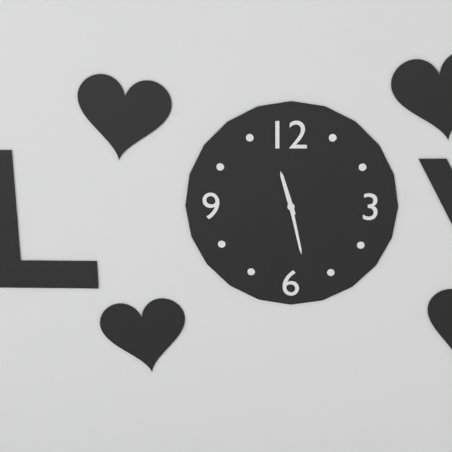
11:28
